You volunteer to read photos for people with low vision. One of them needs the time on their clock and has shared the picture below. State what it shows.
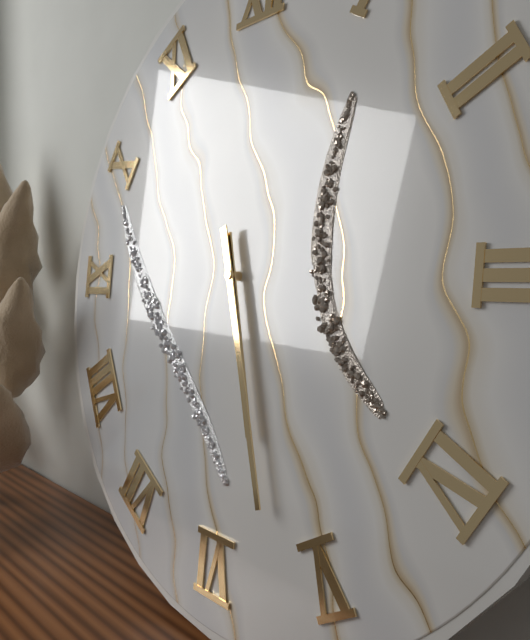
5:27
